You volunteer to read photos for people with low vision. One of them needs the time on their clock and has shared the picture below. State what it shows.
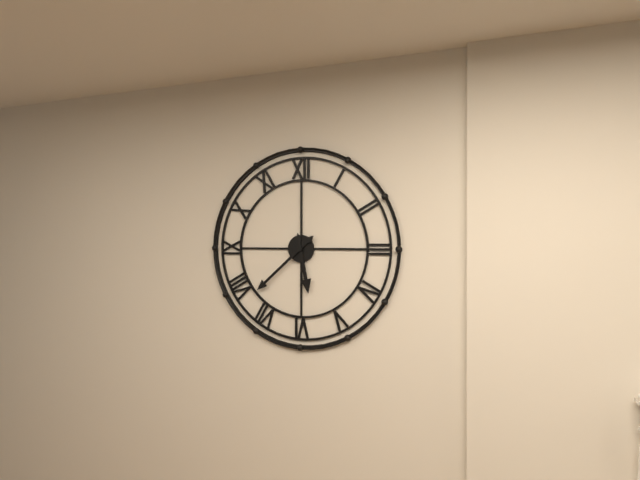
5:38
